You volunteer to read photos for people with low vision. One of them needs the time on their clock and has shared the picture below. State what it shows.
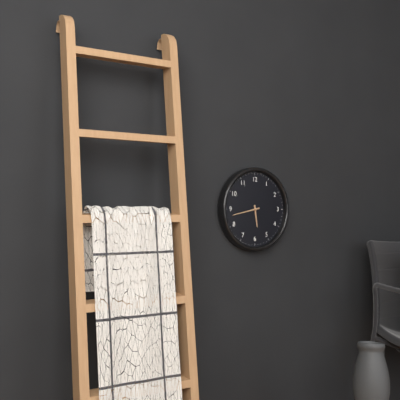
5:43
